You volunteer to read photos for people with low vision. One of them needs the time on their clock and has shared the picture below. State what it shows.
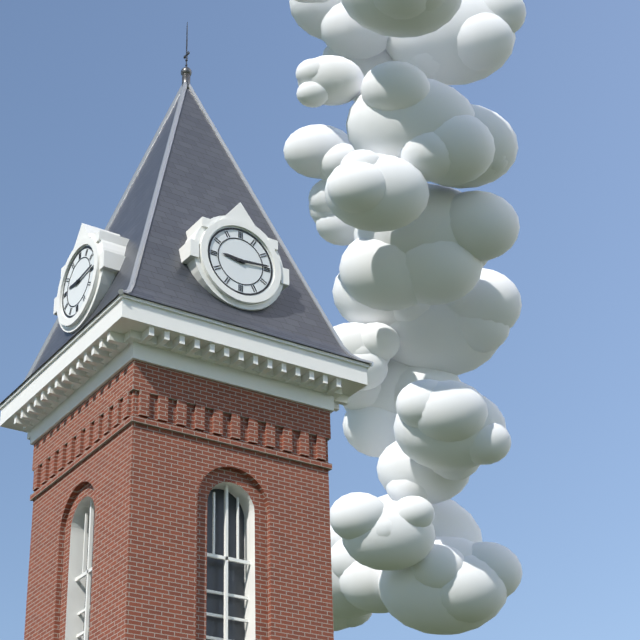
9:14
